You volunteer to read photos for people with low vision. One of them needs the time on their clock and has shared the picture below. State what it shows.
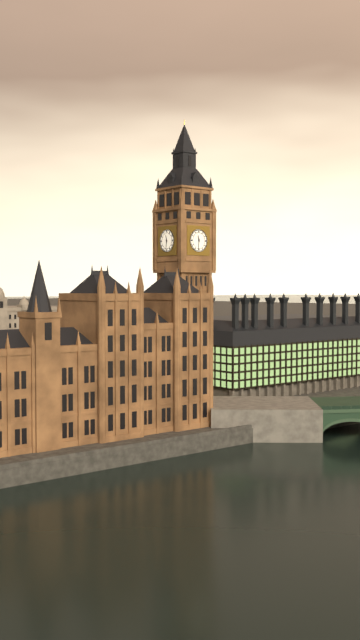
11:31
